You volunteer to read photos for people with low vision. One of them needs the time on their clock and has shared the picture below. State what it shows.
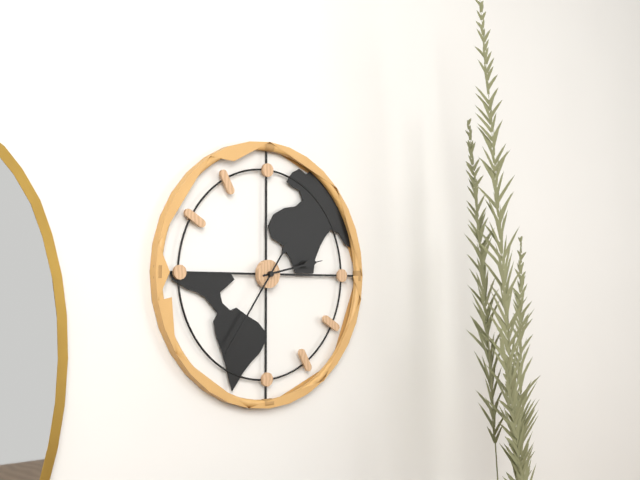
2:36
